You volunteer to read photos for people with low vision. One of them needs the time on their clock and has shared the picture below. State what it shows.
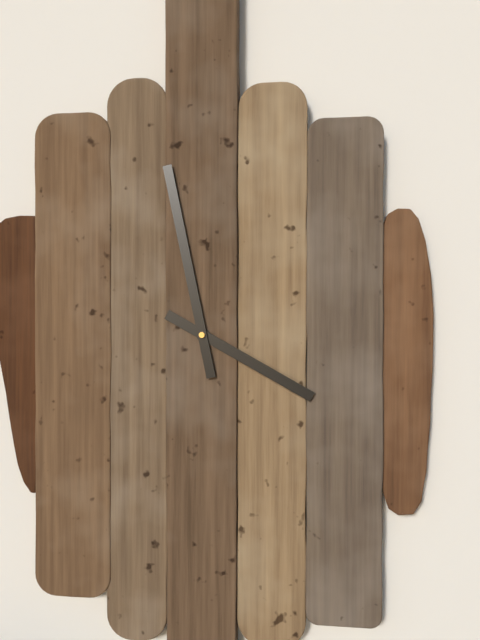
3:58
